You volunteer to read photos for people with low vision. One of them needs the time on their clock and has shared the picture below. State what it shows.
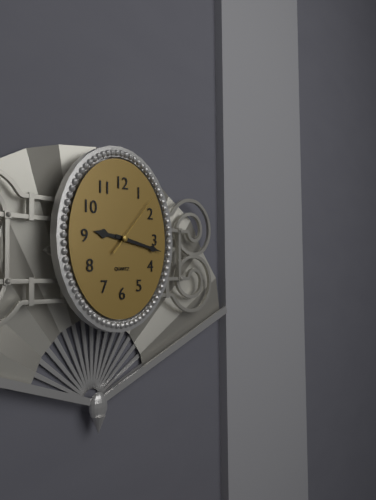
9:17:07
